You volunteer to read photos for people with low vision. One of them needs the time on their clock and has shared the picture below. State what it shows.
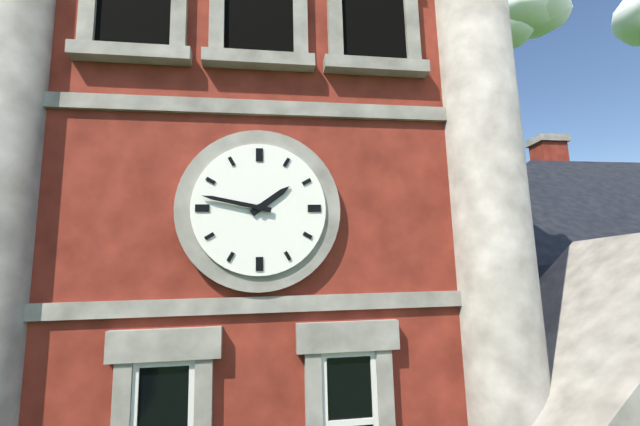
1:47
